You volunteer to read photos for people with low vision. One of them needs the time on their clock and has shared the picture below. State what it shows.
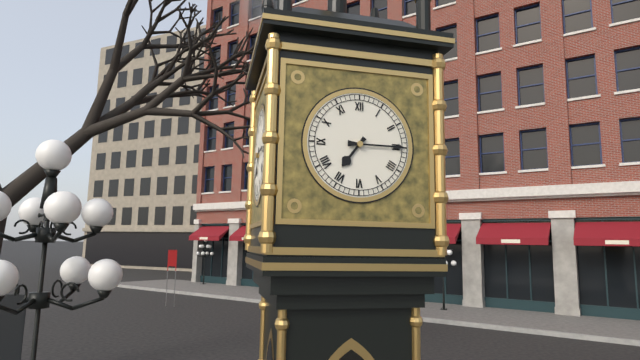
7:15
